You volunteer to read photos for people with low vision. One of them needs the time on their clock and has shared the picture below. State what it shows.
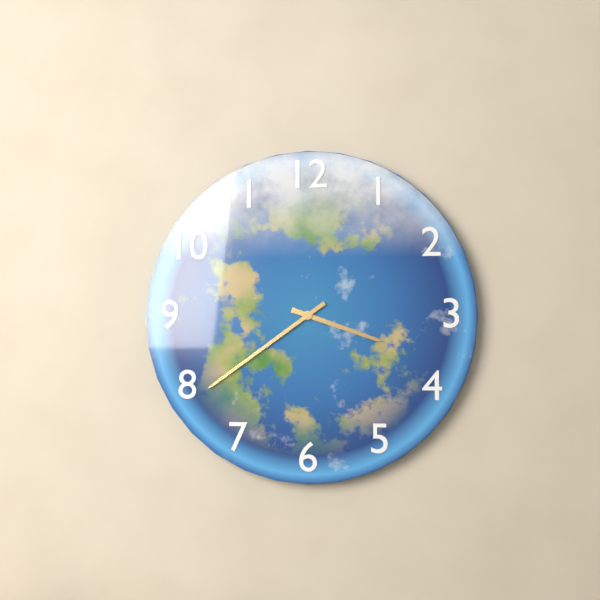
3:39
